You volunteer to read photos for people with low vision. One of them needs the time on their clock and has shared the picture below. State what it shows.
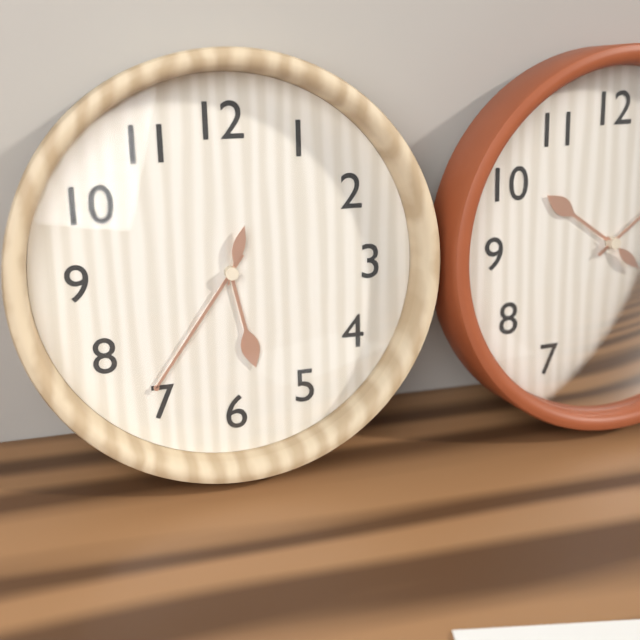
5:36:03
